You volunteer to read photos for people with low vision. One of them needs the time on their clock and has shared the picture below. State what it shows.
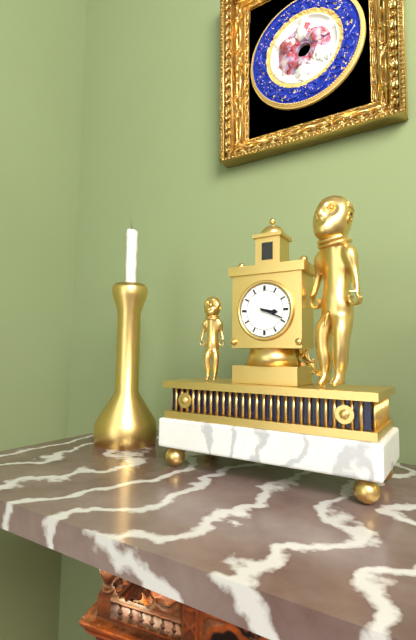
3:19
